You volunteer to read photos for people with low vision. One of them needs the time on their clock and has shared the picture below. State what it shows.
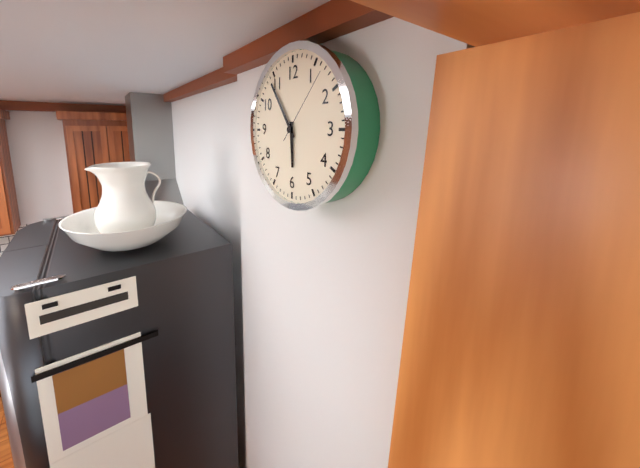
5:54:07
